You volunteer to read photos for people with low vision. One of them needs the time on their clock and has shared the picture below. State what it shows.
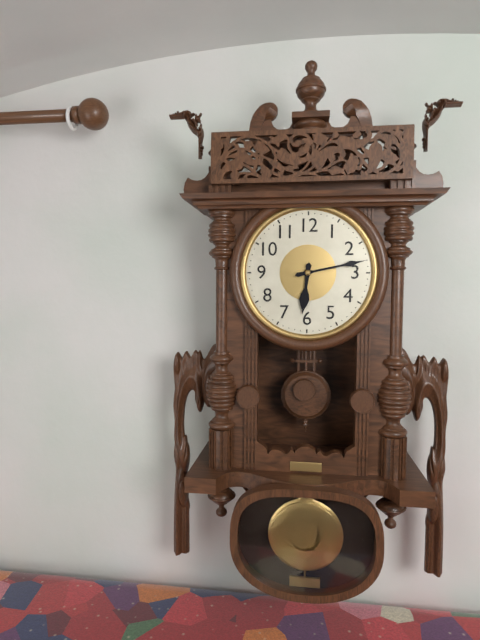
6:13
